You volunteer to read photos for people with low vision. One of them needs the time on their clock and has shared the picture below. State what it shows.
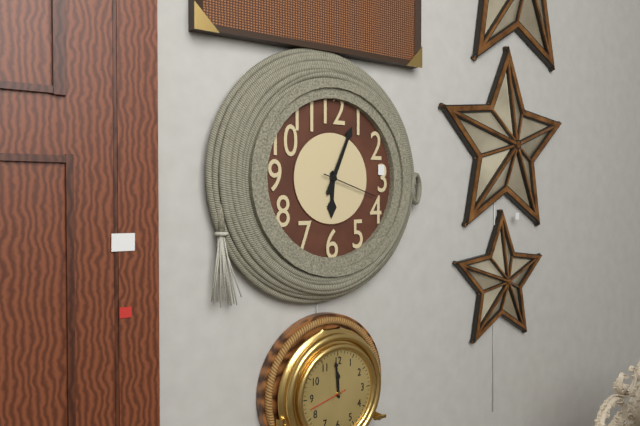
6:04:18
